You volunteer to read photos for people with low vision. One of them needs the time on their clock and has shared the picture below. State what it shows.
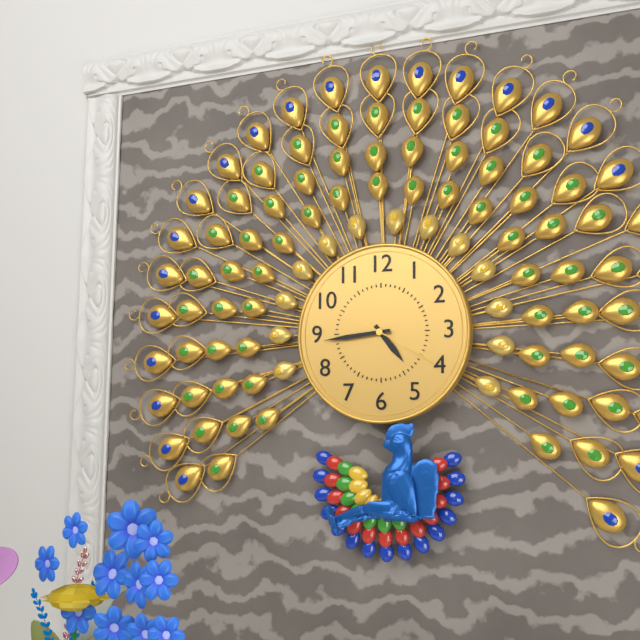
4:44:20
